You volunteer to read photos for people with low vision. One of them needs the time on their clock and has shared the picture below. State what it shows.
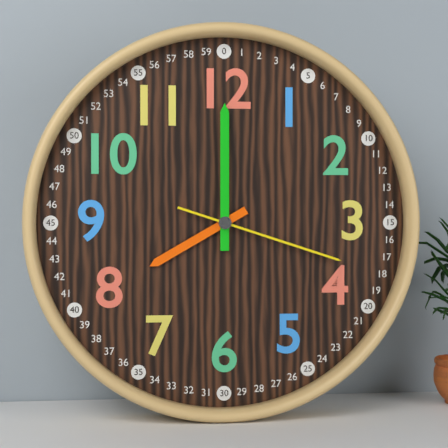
8:00:18
